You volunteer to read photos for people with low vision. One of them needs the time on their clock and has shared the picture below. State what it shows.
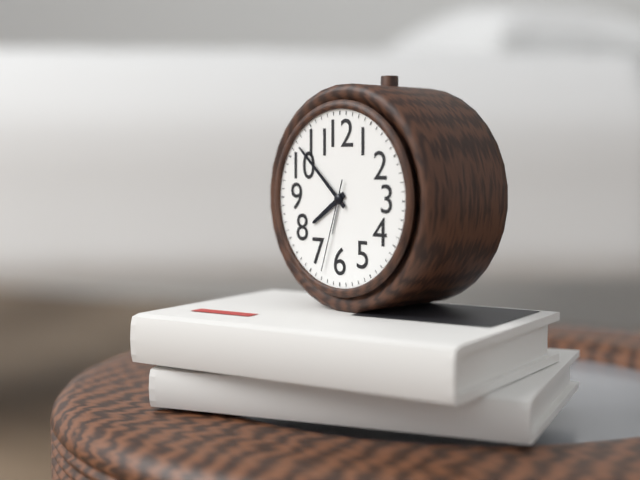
7:52:33
